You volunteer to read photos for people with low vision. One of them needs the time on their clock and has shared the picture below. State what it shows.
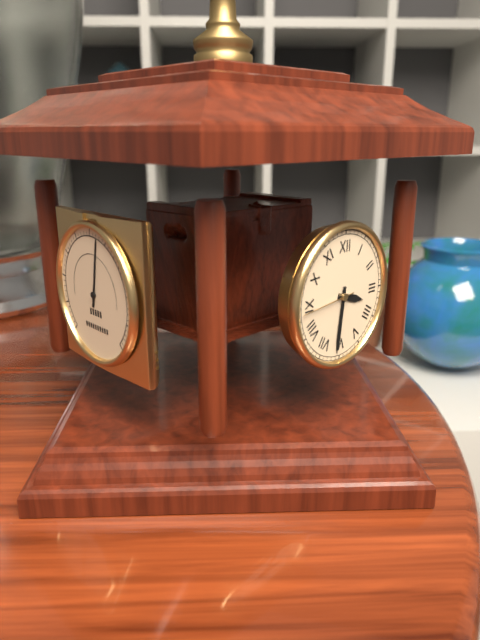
3:31
